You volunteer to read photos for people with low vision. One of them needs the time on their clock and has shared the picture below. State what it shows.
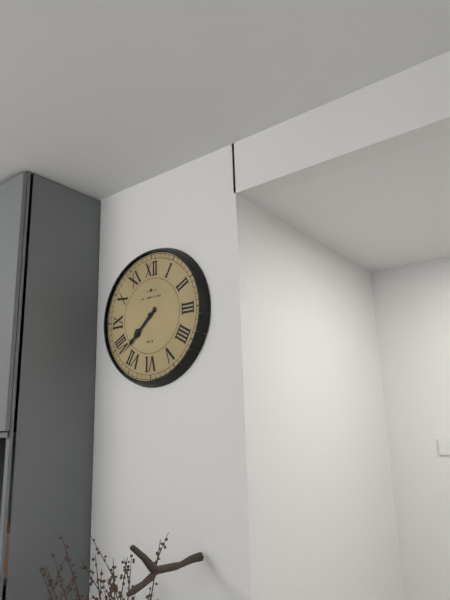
7:38
